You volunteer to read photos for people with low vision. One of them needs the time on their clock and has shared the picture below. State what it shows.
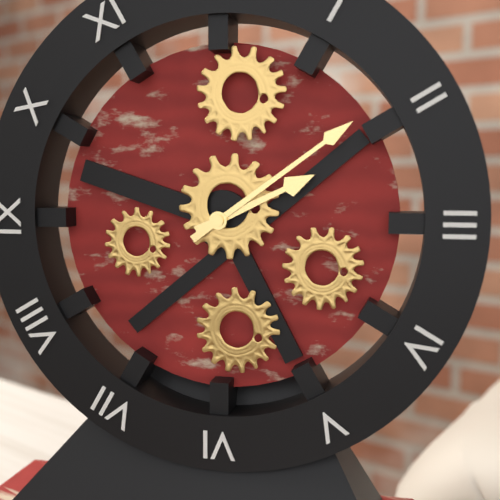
2:09
